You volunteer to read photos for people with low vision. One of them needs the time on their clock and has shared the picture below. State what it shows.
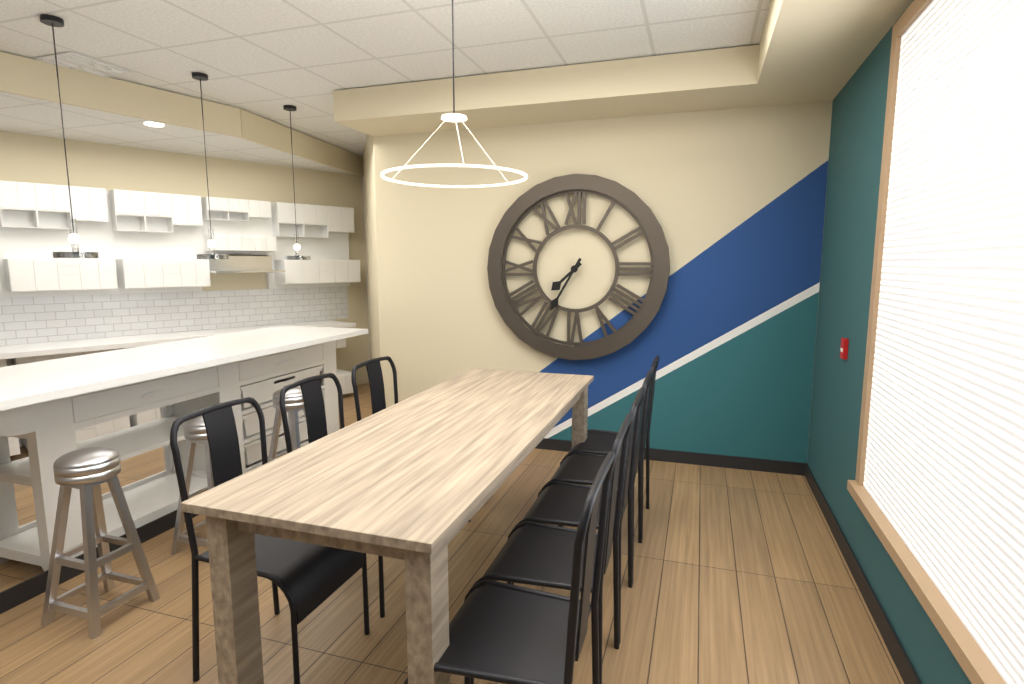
7:35
